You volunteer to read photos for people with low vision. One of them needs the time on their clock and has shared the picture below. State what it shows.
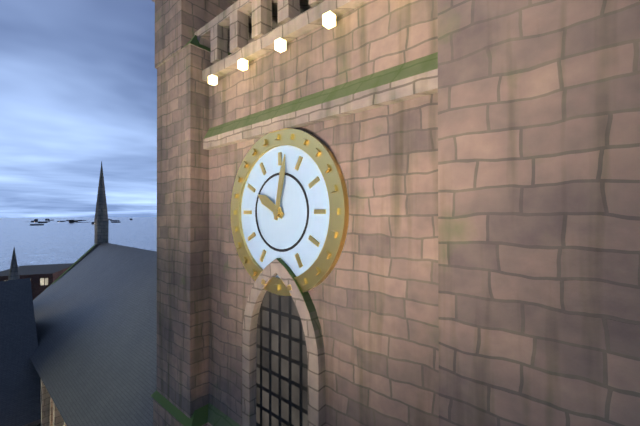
10:02
